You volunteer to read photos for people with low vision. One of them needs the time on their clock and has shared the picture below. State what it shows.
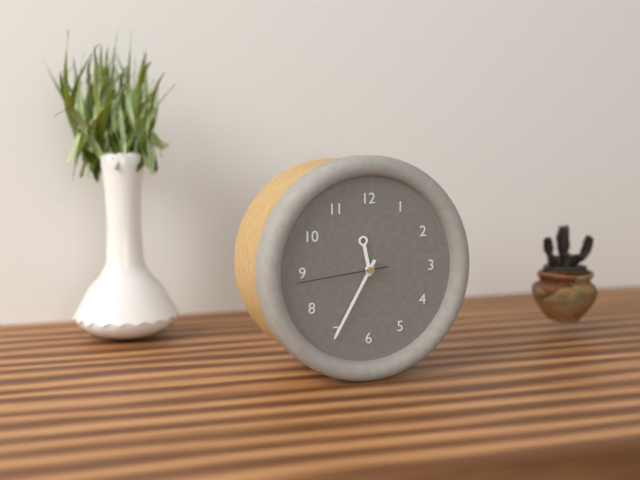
11:35:44
